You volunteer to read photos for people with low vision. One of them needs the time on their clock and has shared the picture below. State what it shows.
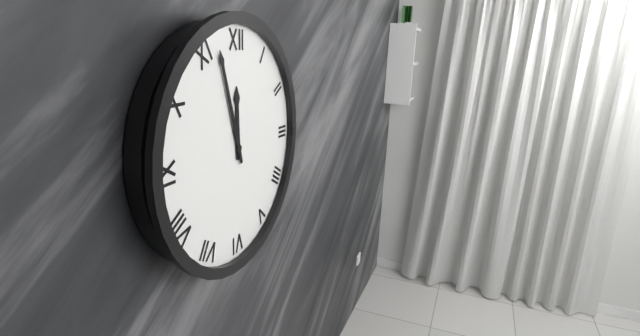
11:57
